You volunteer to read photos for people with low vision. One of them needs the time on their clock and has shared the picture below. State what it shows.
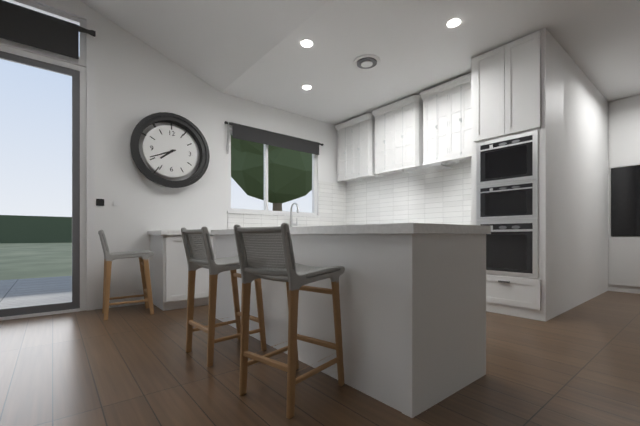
7:41
